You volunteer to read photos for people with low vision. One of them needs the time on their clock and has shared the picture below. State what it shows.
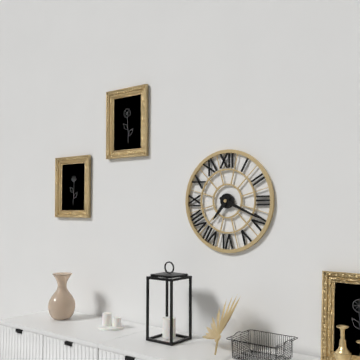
7:19
